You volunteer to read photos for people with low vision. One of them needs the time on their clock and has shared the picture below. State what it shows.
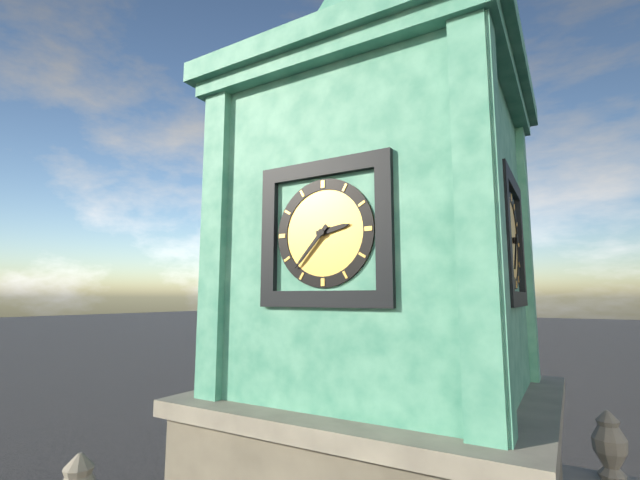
2:37
